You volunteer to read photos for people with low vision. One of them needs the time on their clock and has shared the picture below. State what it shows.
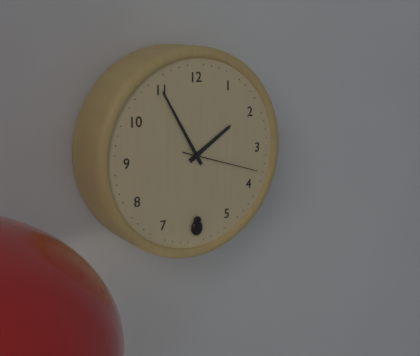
1:55:18
